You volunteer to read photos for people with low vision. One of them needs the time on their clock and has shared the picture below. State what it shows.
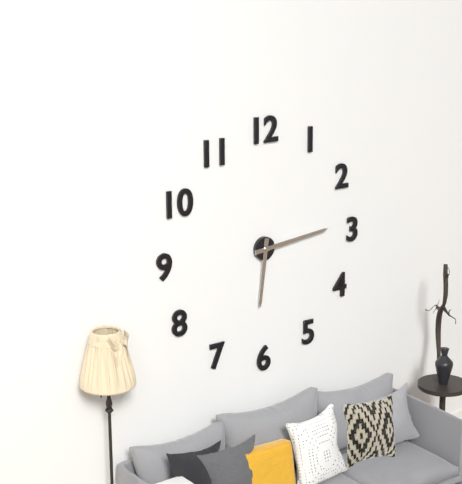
6:14
